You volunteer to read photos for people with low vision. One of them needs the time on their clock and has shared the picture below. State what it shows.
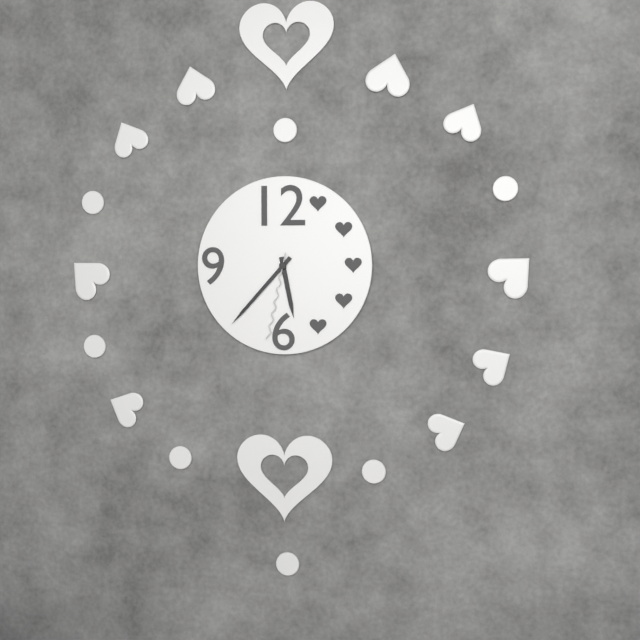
5:37:32
